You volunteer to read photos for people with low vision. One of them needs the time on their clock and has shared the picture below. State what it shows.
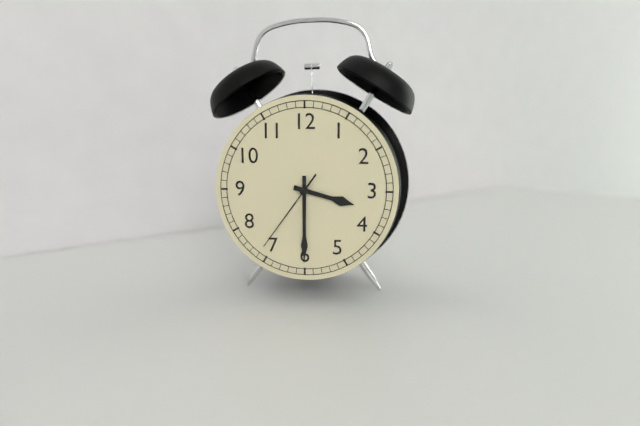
3:30:36
